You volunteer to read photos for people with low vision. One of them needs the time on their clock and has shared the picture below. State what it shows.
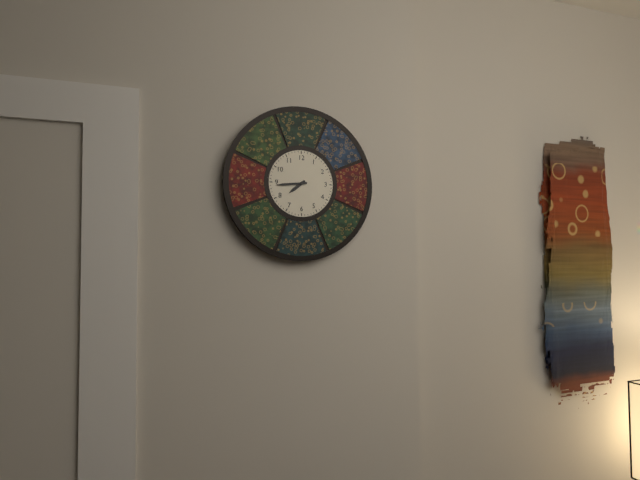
7:44
